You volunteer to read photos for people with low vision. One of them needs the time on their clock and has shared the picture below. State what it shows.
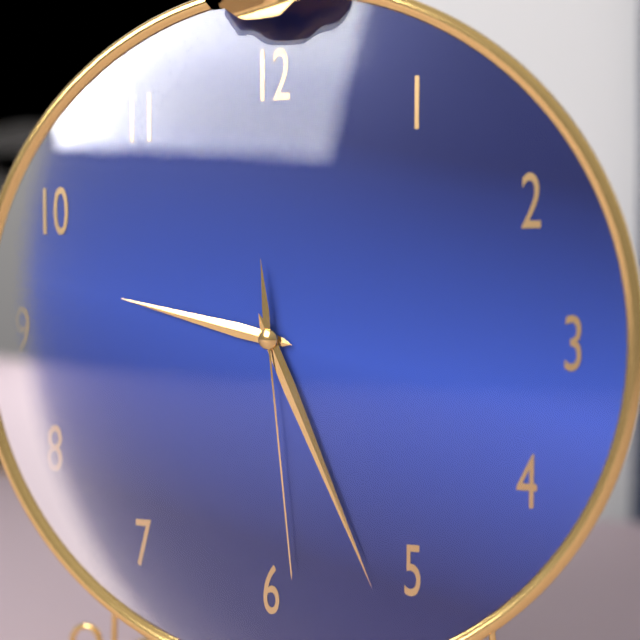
9:26:29
